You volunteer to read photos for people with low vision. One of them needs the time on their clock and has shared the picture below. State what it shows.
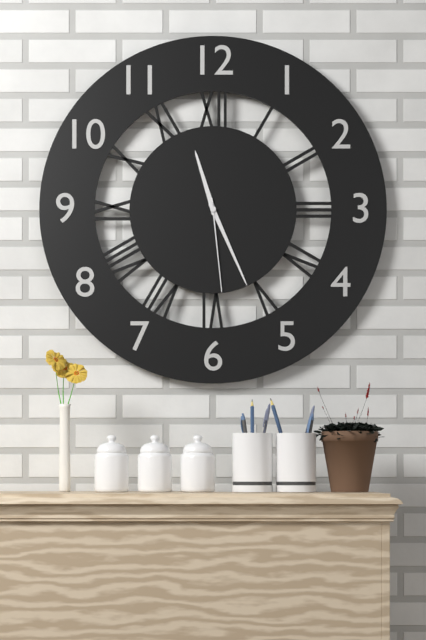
11:26:29
